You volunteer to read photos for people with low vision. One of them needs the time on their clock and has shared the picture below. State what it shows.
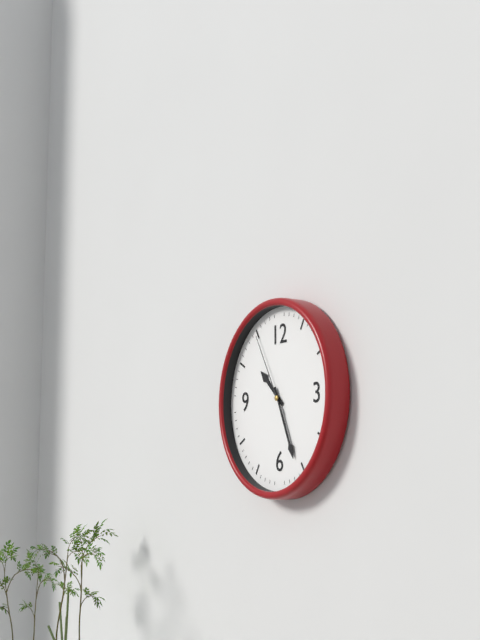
10:26:55
